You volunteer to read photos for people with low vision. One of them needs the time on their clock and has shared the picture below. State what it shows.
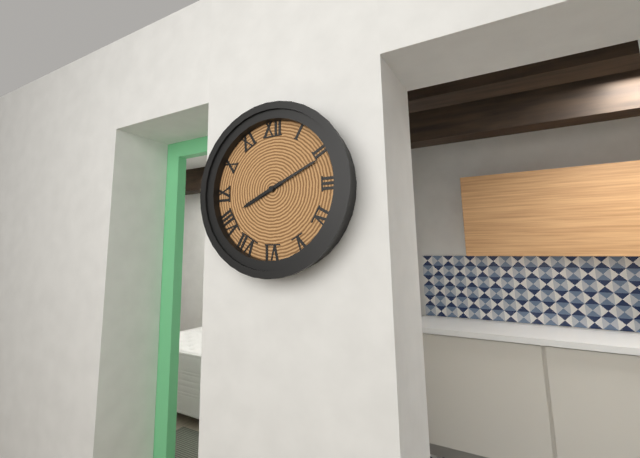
8:11
